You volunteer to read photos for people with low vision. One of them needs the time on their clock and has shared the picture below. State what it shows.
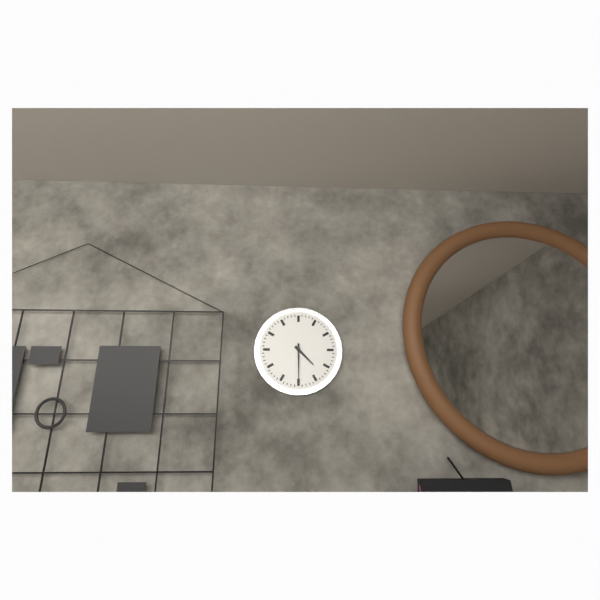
4:30
